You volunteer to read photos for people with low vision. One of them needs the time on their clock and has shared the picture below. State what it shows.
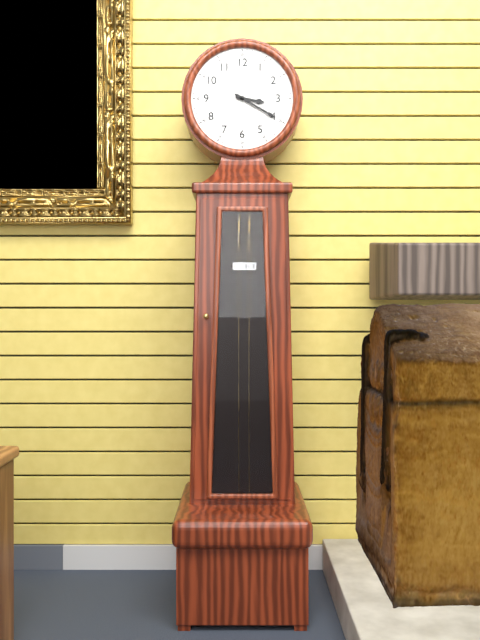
3:20
